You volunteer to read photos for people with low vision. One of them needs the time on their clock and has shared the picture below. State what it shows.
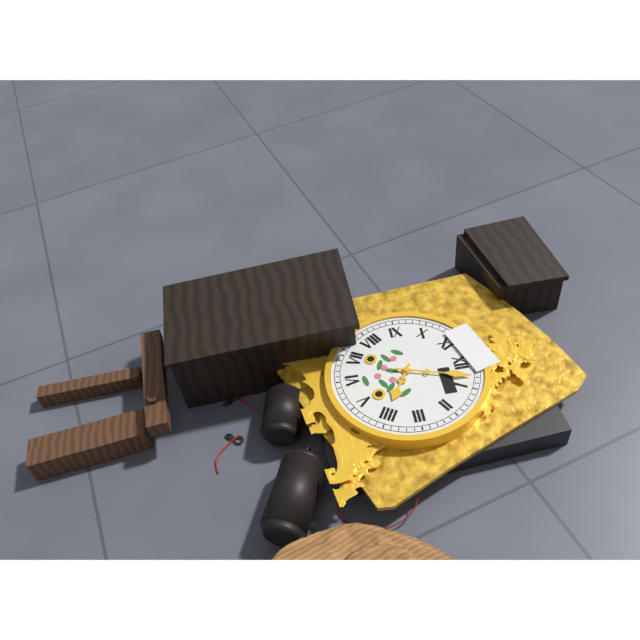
4:03
